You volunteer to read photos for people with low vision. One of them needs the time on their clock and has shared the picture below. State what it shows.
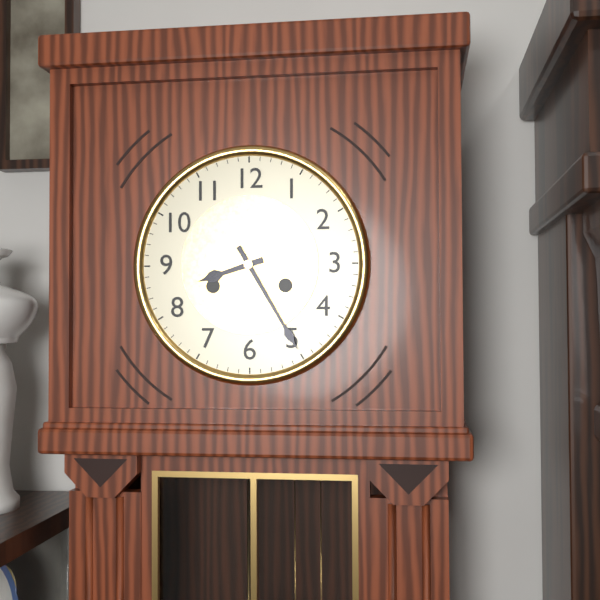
8:25
